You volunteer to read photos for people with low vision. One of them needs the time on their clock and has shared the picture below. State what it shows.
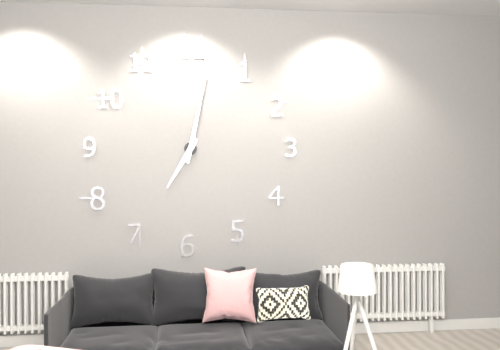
7:02
